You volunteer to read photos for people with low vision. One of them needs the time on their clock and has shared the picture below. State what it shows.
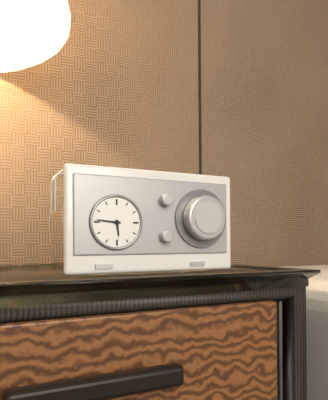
5:46
